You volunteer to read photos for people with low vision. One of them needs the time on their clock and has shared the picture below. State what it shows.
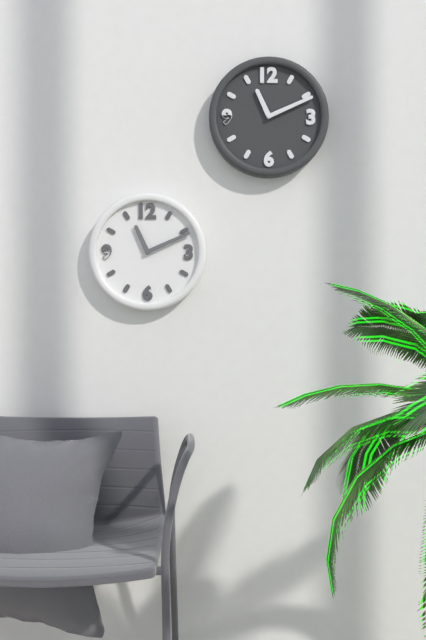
11:11
